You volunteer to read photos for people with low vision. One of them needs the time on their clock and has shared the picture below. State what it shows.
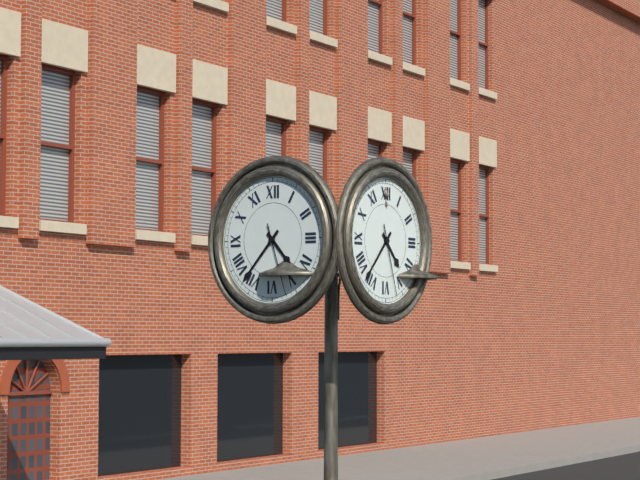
4:37:27
